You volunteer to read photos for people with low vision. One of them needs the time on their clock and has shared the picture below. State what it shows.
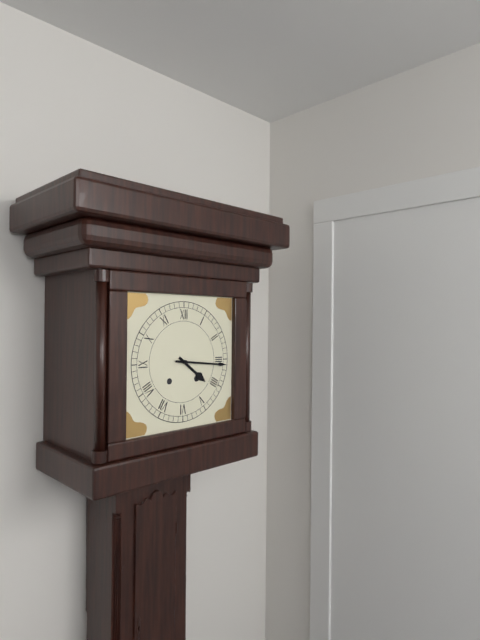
4:16
